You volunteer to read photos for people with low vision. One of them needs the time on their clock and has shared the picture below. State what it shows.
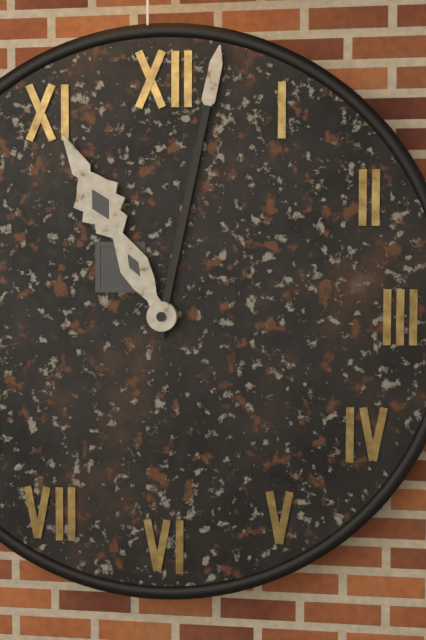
11:02
